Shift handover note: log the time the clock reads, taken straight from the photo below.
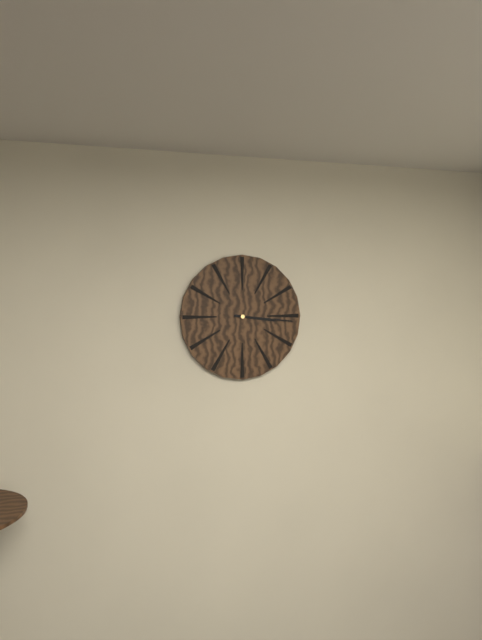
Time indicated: 3:16
